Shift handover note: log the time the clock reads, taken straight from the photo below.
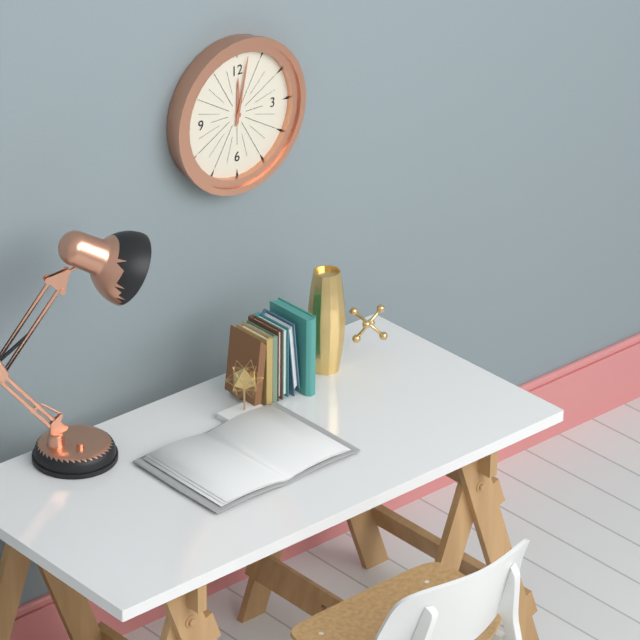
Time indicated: 12:02
